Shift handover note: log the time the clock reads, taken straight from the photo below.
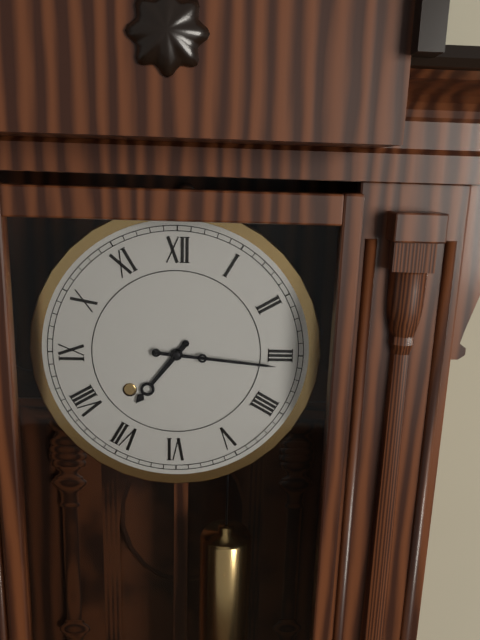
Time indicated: 7:16
